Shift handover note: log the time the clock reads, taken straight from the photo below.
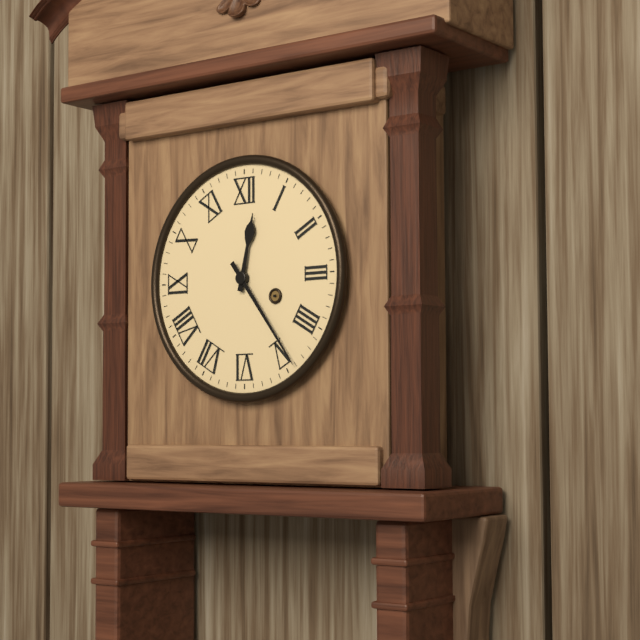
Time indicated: 12:24
